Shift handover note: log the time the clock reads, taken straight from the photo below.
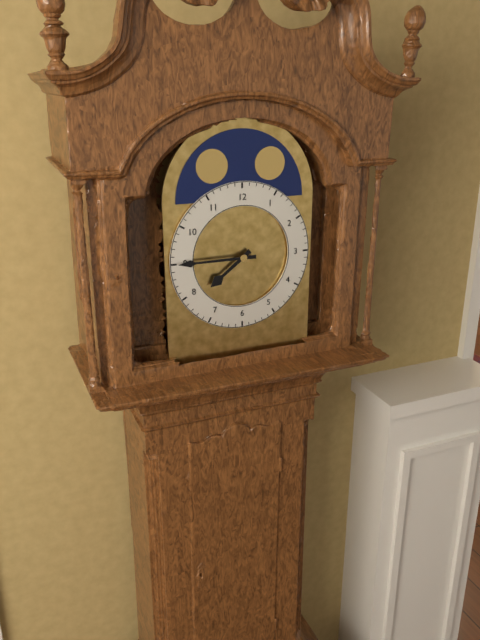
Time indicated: 7:45
